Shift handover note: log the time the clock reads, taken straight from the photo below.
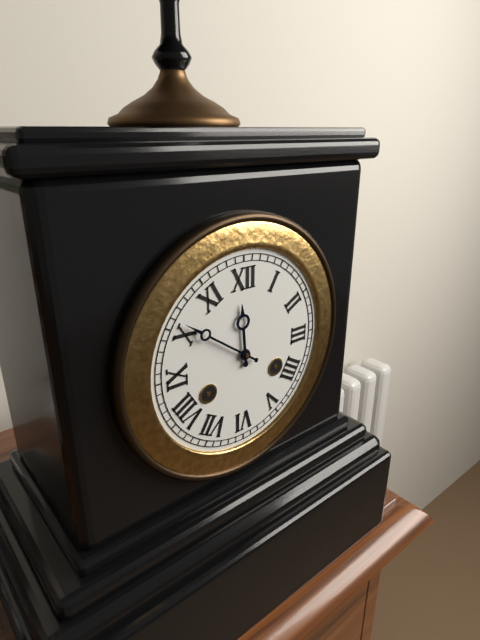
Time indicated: 11:51
